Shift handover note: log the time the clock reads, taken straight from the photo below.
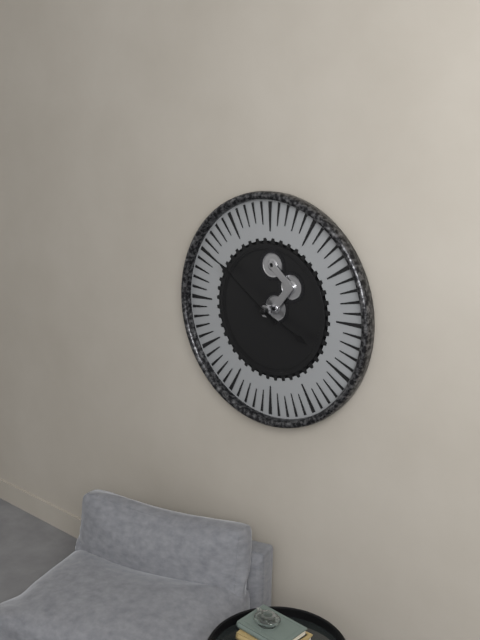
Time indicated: 3:51
